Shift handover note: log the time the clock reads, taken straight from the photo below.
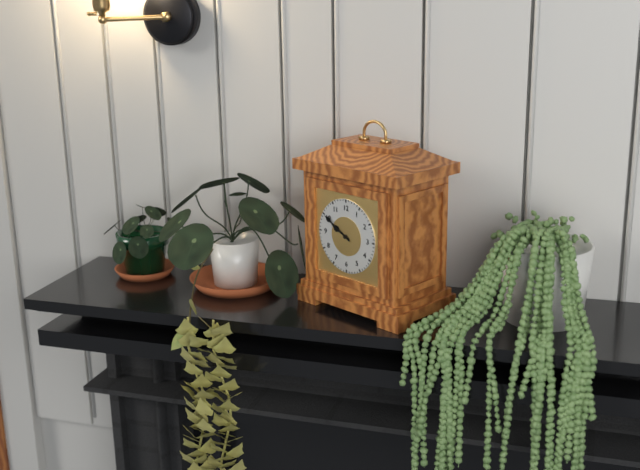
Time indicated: 9:50
